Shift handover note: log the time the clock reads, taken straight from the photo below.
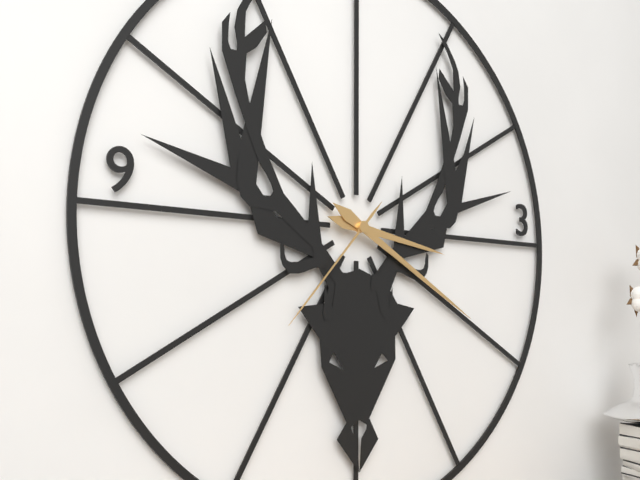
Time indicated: 3:20:37
